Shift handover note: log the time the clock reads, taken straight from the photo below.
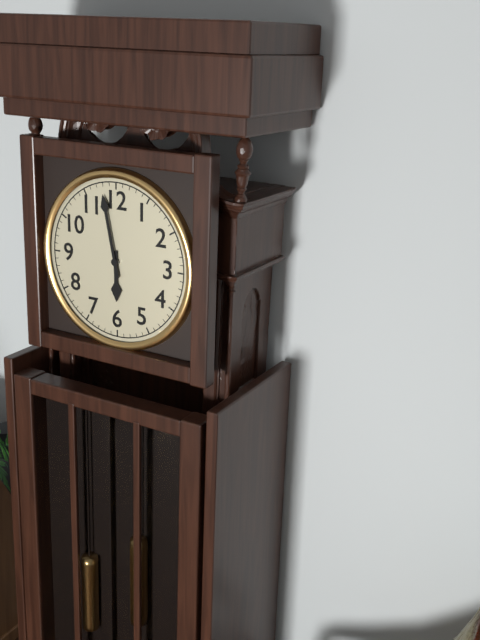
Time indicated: 5:58
